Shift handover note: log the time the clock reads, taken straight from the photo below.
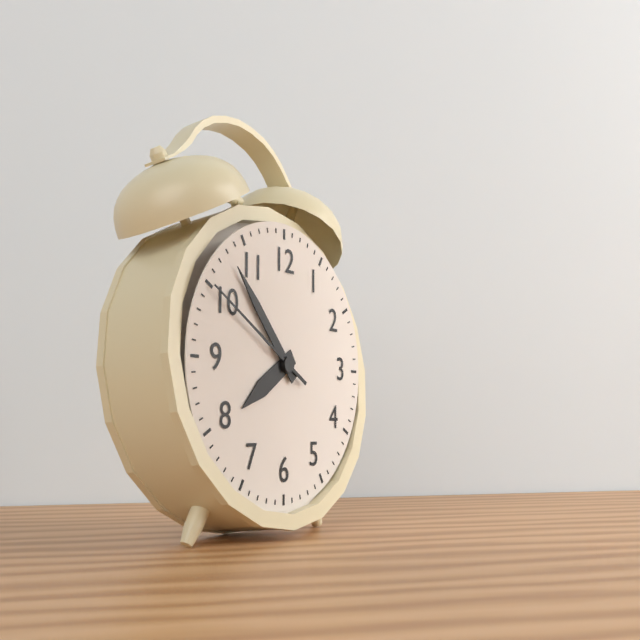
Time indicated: 7:53:50
